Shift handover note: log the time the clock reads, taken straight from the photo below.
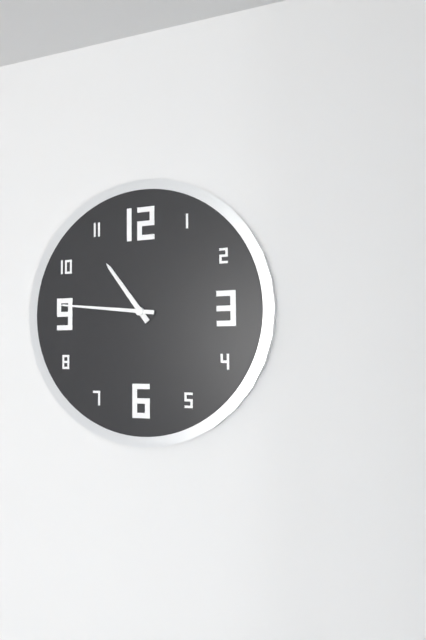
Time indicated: 10:46
